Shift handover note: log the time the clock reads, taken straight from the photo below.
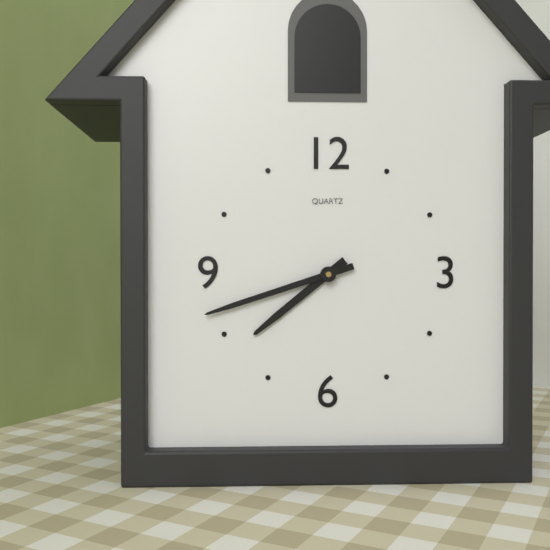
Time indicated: 7:42
